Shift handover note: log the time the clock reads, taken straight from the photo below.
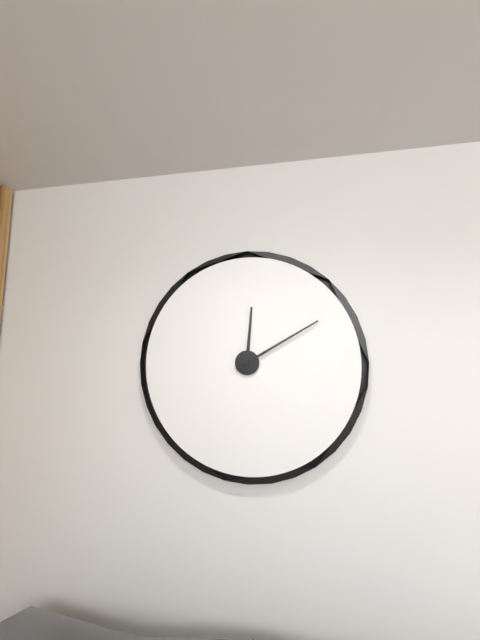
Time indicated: 12:10
